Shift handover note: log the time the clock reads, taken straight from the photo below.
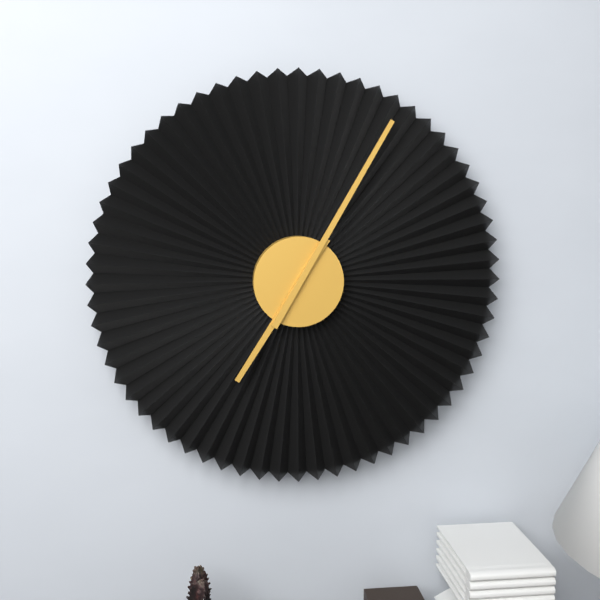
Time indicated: 7:05
